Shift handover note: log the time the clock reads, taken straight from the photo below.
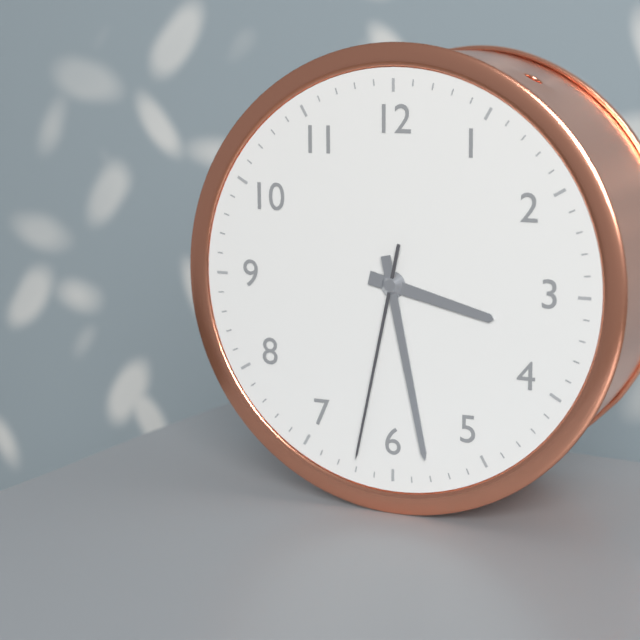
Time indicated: 3:28:32
